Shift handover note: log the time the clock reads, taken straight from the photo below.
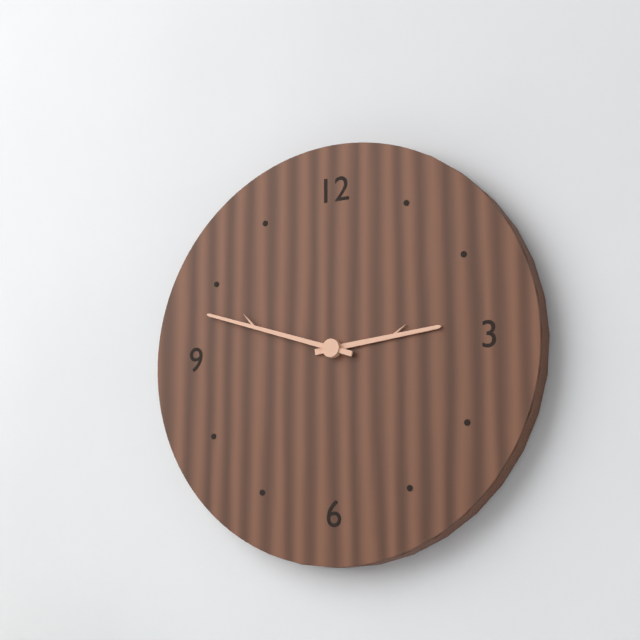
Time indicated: 2:48
